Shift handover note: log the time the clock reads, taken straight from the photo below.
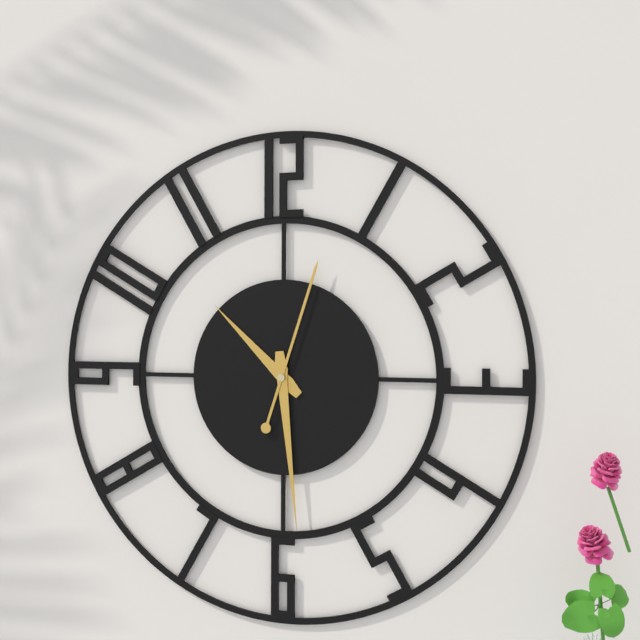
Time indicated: 10:29:03
